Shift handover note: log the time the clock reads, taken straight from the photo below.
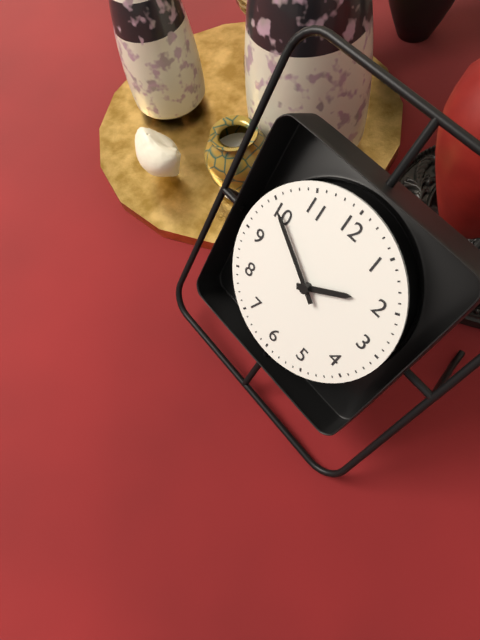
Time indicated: 1:50
